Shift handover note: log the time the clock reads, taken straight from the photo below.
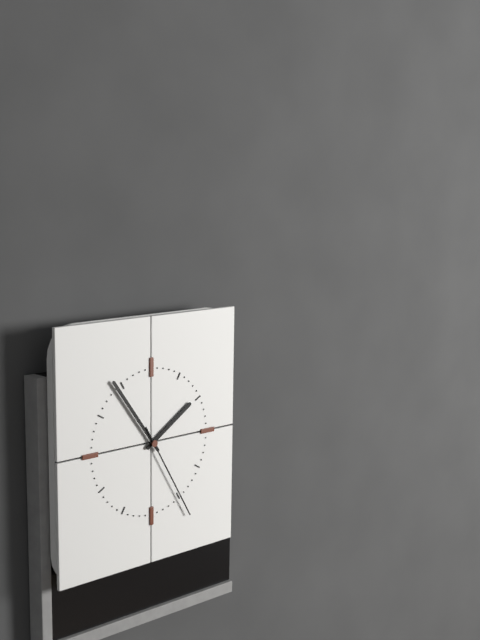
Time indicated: 1:54:25
